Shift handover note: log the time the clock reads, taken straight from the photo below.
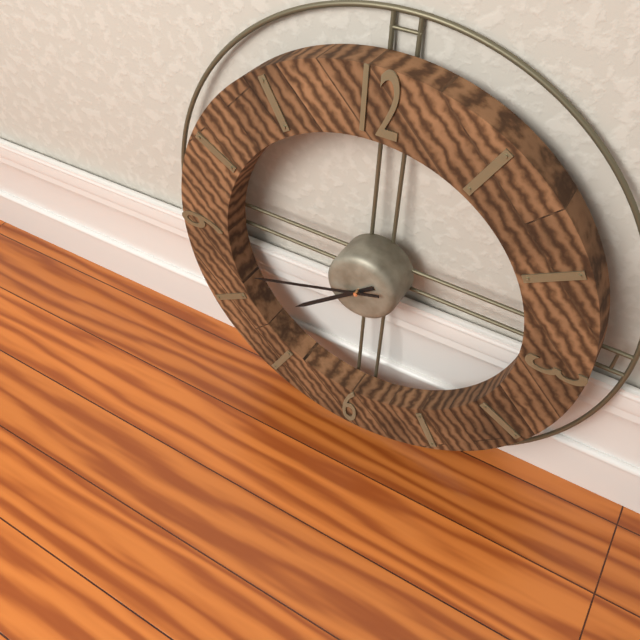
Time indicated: 7:42
